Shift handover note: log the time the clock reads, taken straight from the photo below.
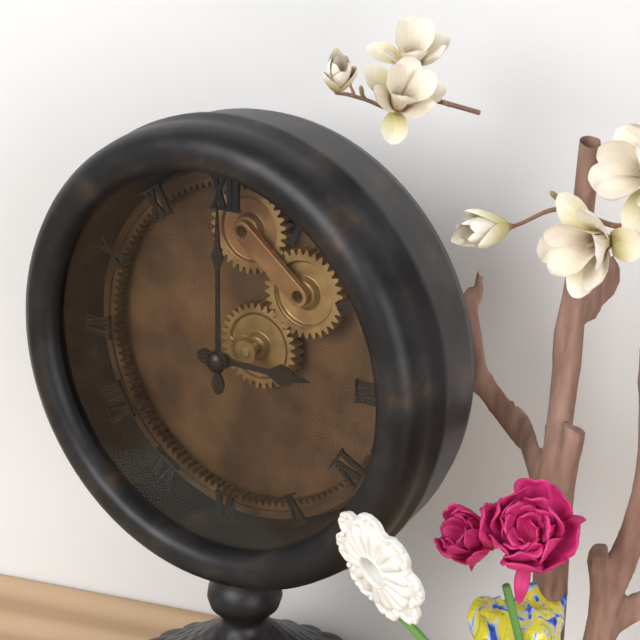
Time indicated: 3:00
